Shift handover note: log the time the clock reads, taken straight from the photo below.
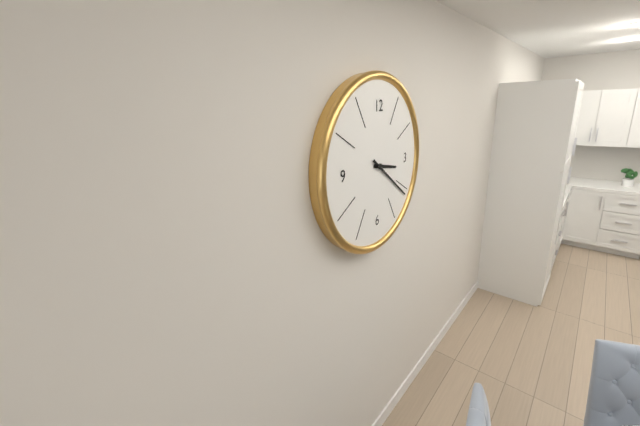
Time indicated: 3:21
